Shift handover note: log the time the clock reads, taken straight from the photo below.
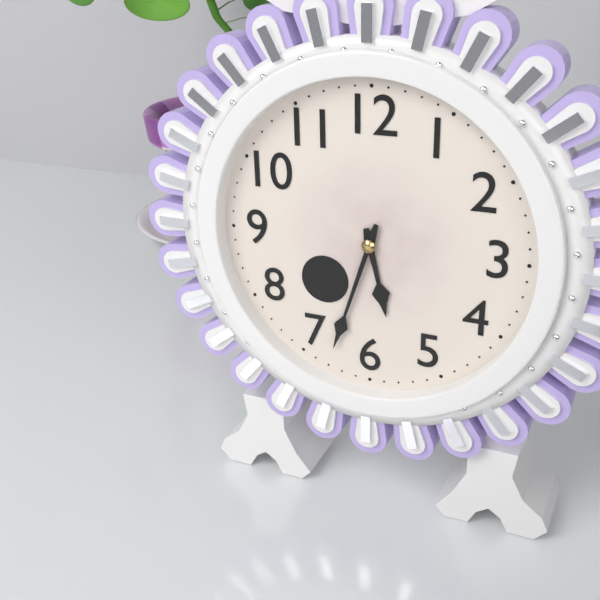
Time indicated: 5:33
